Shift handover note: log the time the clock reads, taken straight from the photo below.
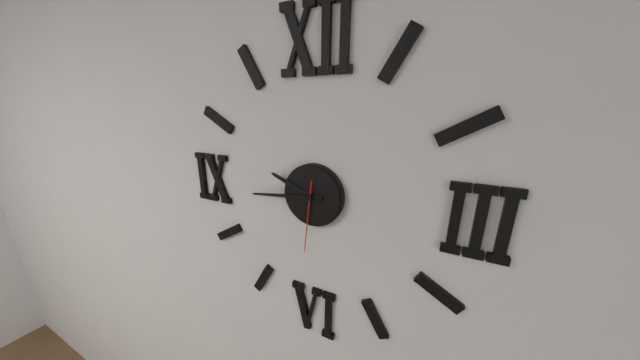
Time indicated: 9:44:31
